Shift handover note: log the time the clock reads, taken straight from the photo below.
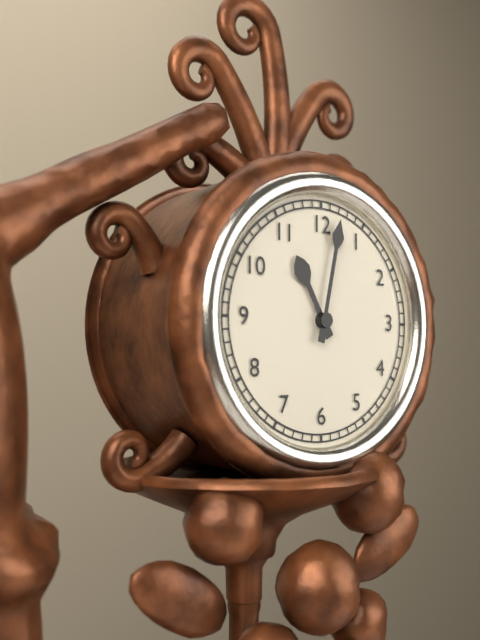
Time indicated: 11:02
